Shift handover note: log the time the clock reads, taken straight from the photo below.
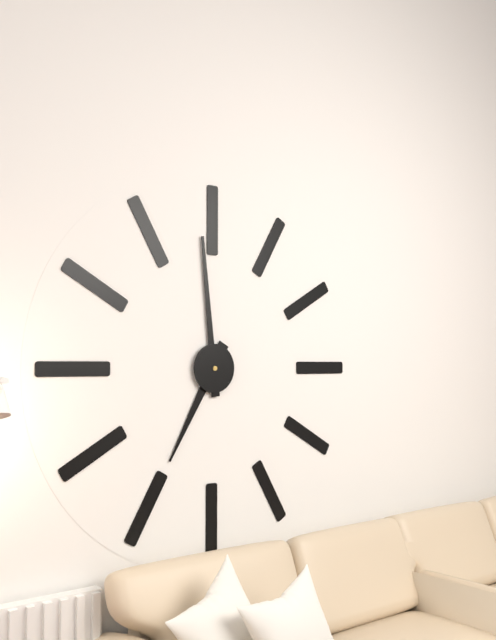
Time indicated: 6:59
